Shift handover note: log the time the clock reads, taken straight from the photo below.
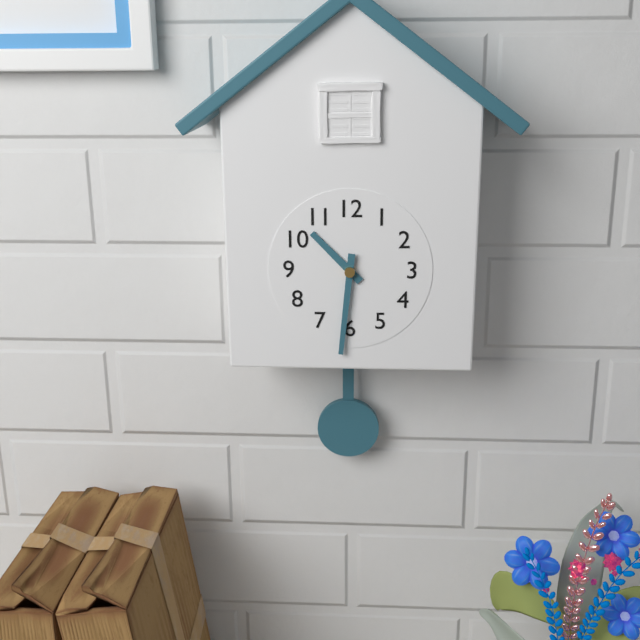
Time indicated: 10:31
